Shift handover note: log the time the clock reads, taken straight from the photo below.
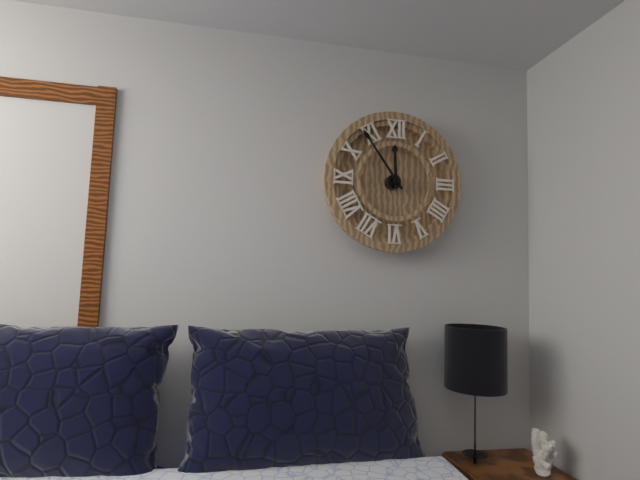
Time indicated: 11:54
